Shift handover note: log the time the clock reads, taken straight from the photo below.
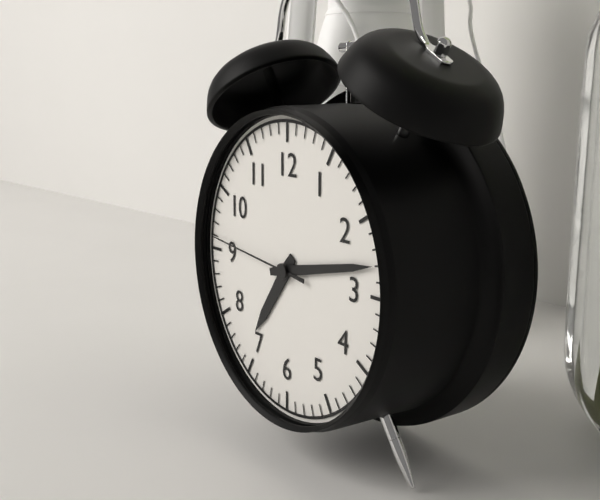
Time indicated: 7:13:46
